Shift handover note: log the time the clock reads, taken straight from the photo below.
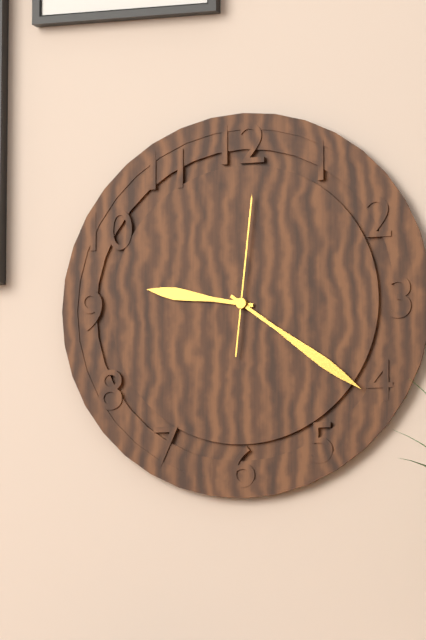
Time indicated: 9:21:01
